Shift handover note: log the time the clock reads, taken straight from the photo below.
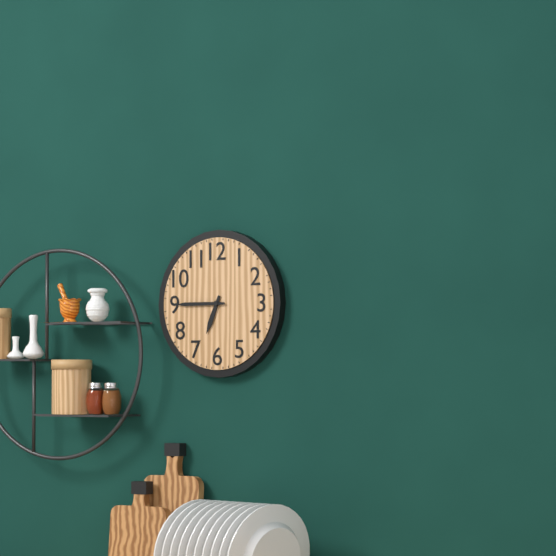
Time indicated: 6:45
